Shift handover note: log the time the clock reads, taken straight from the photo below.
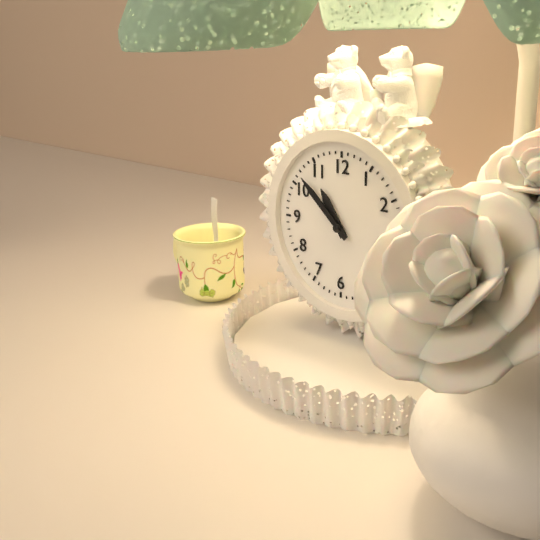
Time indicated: 10:52
